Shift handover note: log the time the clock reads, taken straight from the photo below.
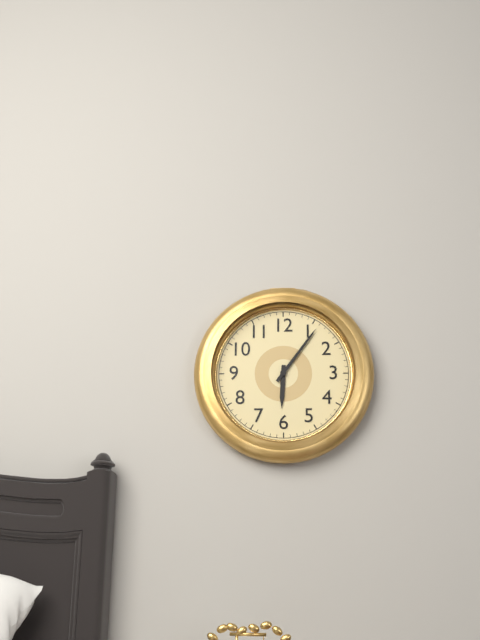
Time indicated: 6:06
